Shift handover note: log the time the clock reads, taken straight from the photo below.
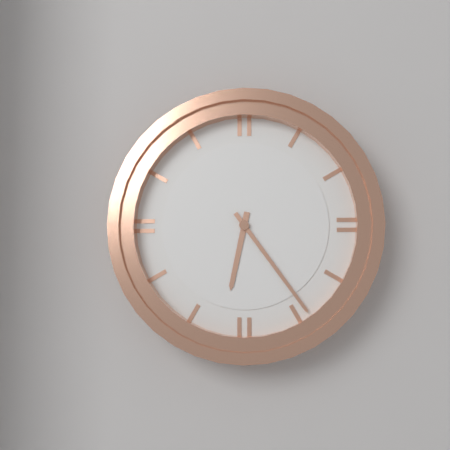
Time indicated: 6:24
